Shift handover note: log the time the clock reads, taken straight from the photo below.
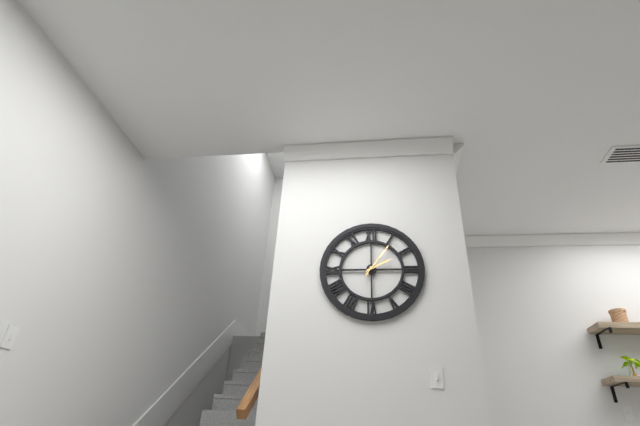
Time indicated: 2:06
